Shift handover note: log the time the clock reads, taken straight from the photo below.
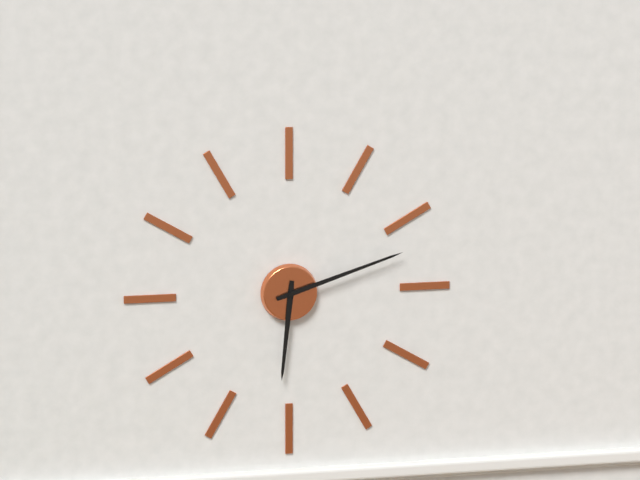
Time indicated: 6:12
